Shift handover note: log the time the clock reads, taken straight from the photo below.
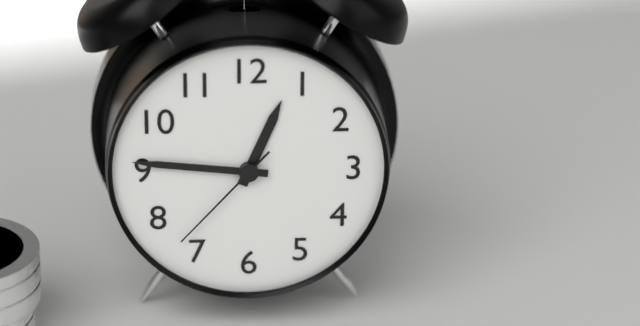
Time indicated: 12:46:37
